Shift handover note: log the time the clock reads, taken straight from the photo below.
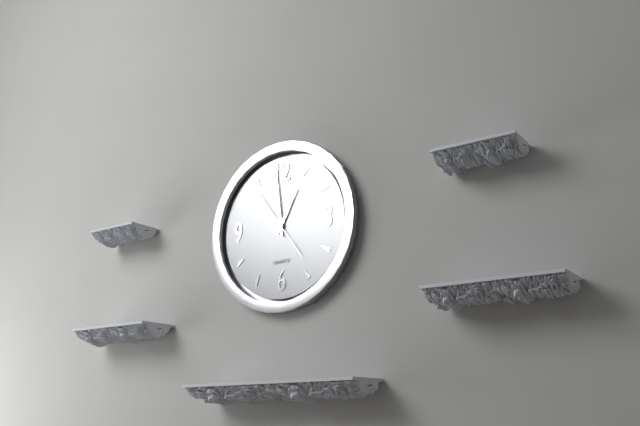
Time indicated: 12:59:54
